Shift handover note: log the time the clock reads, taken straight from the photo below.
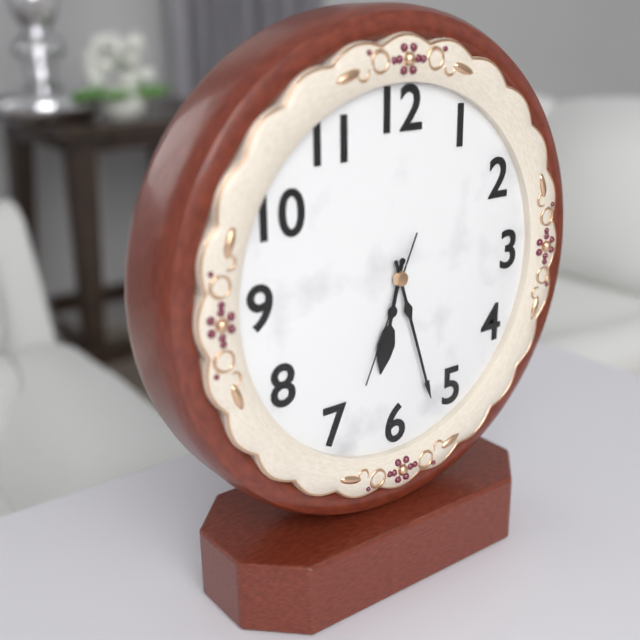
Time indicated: 6:27:34
